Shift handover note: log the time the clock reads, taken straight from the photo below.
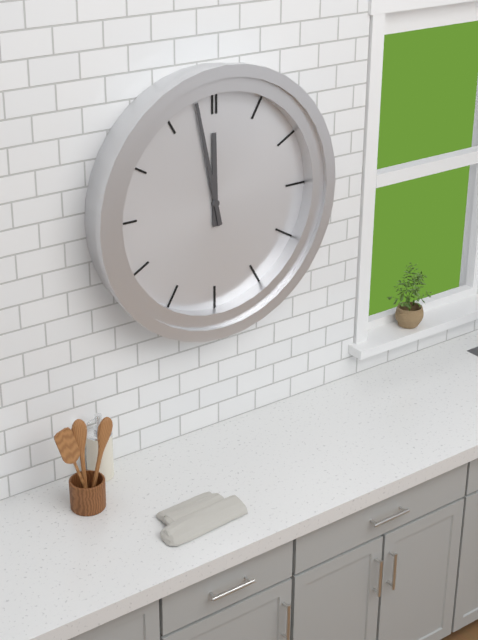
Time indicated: 11:58
